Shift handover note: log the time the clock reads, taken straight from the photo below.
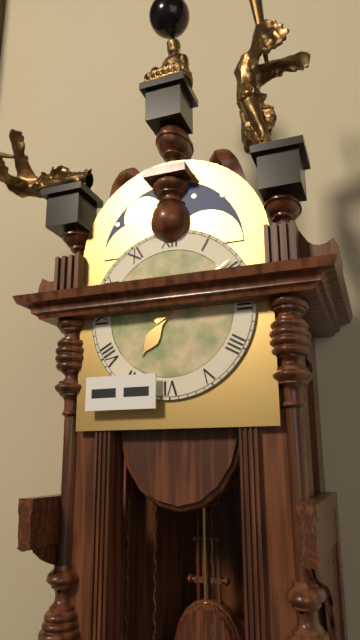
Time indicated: 7:09
